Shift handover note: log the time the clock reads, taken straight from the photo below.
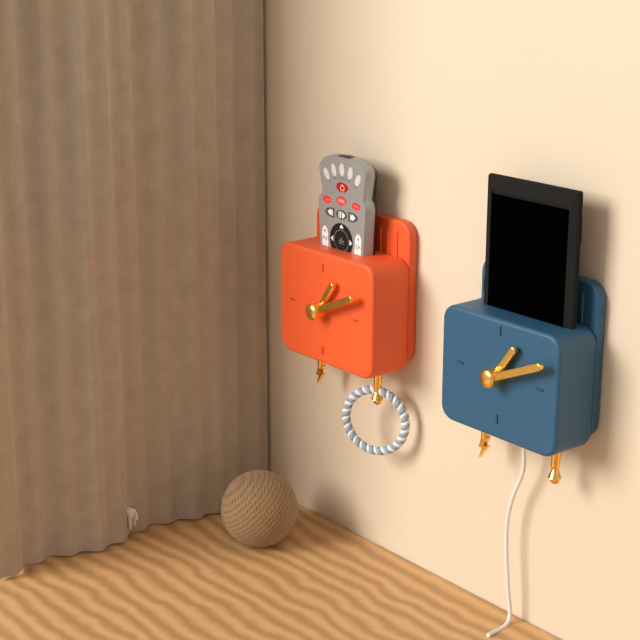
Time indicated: 1:11
